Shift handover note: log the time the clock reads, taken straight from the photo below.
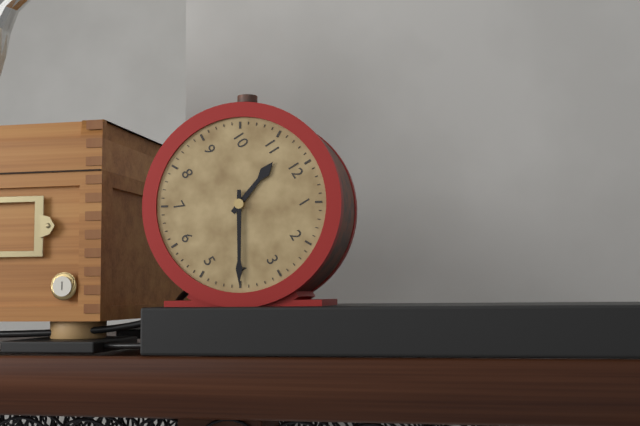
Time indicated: 11:20
